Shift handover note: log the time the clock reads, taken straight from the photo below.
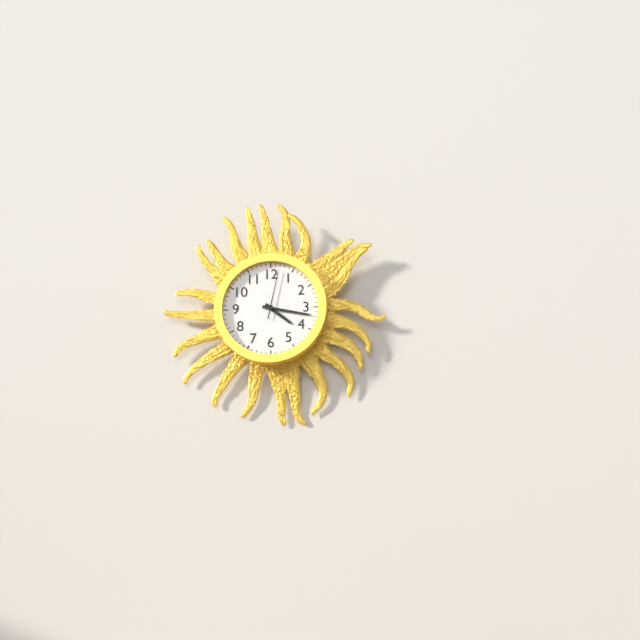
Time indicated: 4:17
